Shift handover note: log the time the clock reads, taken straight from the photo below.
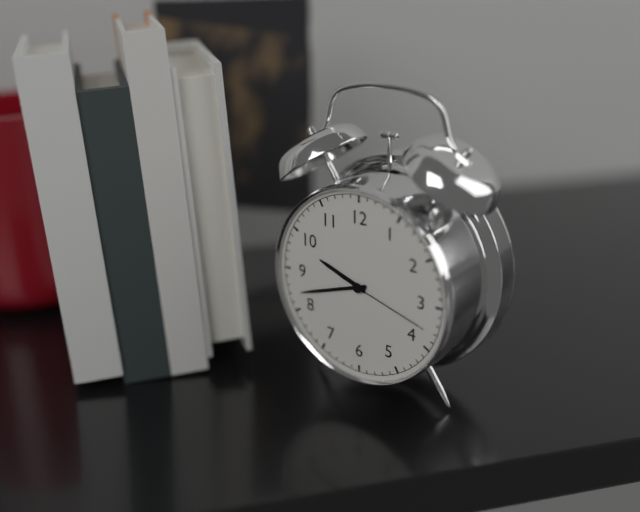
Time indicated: 9:42:18
